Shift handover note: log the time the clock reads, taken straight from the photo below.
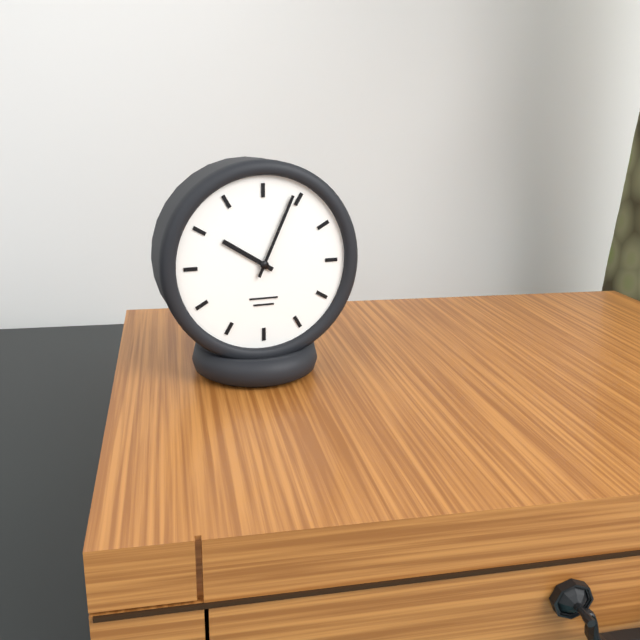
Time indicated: 10:04
